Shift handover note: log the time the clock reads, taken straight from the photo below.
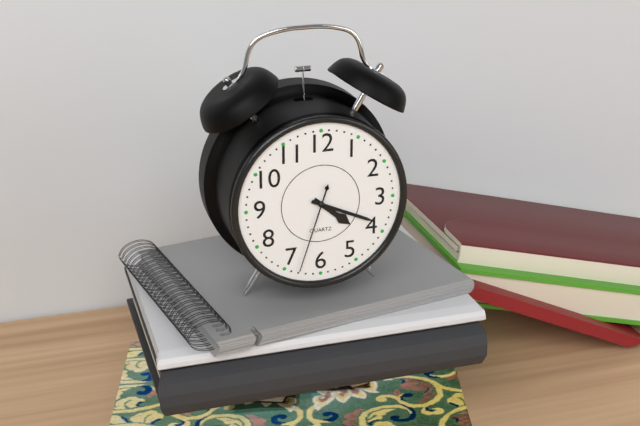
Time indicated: 4:19:33
